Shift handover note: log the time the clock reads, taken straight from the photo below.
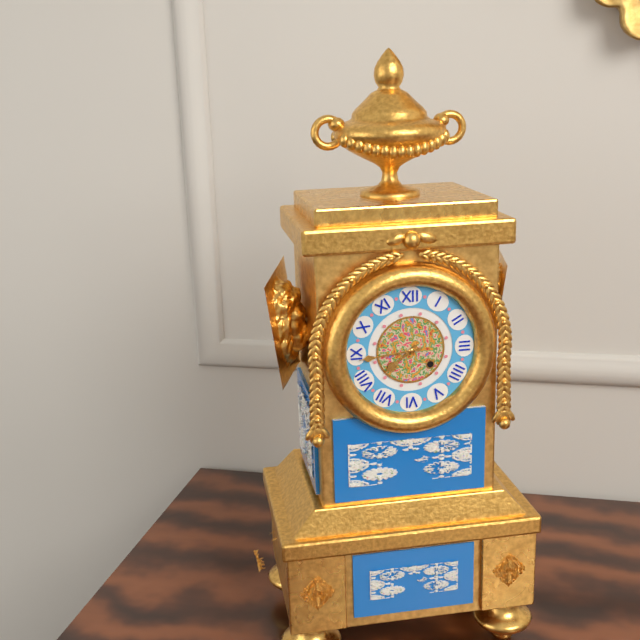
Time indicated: 7:44
